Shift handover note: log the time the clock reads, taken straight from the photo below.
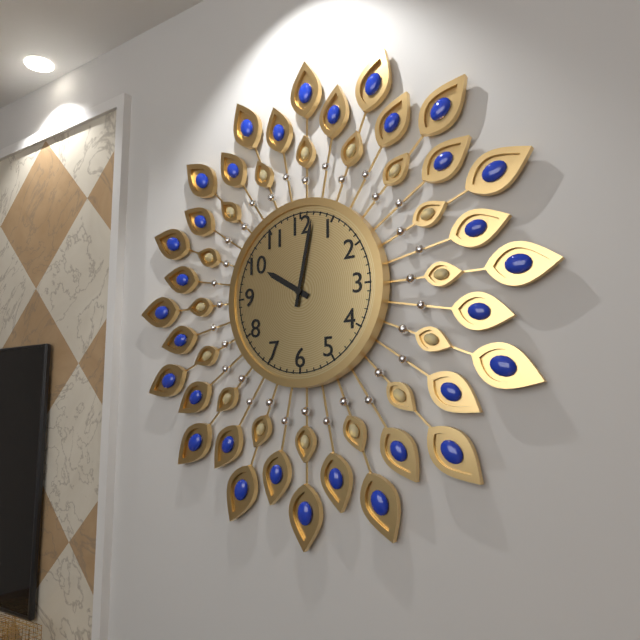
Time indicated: 10:02
